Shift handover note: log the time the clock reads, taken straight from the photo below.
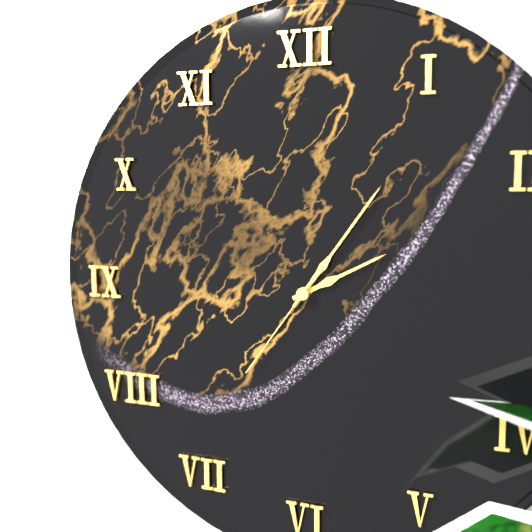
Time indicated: 2:06:36
